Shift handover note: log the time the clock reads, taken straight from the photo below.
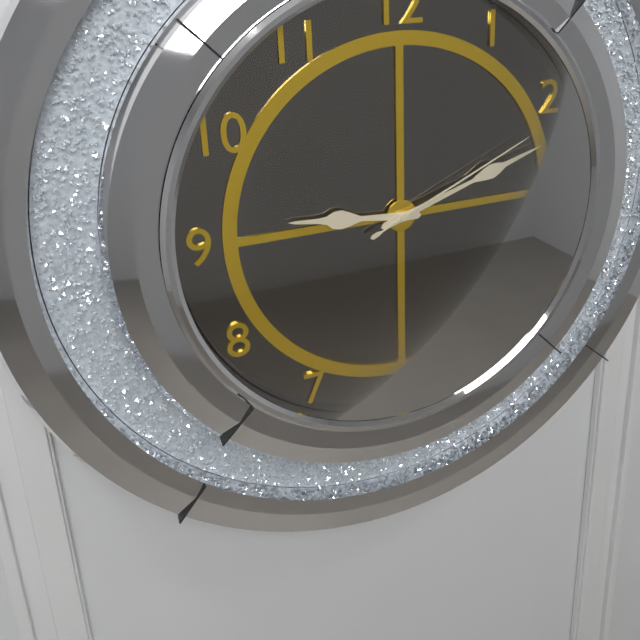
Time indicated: 9:12:11
